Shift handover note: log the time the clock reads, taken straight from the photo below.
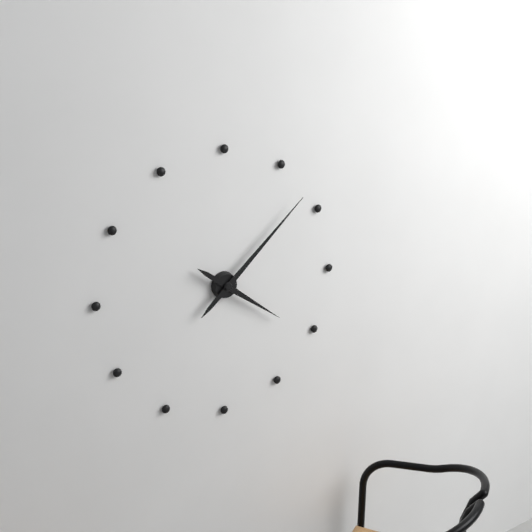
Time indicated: 4:08
